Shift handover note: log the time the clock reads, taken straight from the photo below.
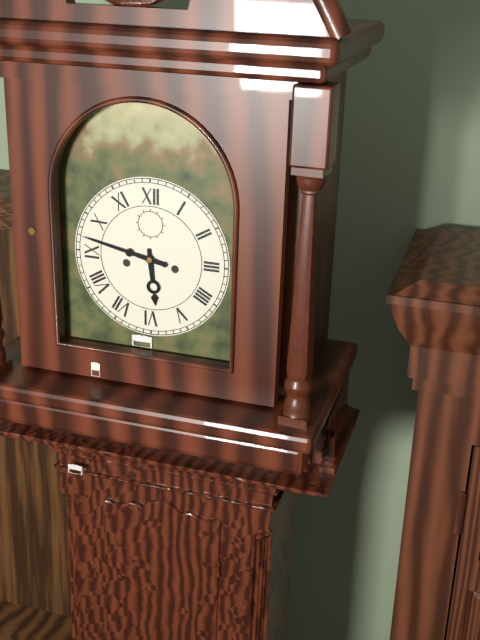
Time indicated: 5:47
